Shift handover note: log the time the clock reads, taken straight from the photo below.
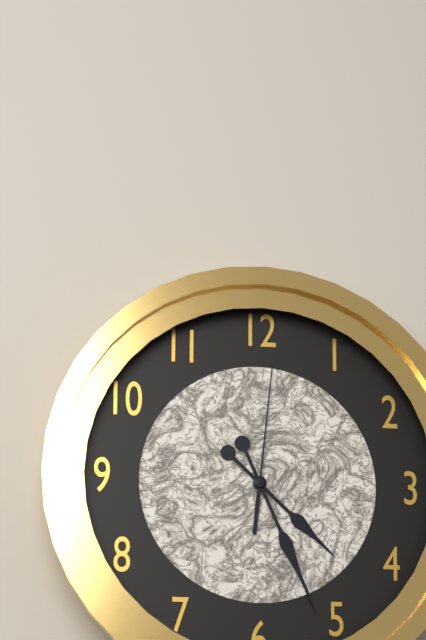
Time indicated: 4:26:01
